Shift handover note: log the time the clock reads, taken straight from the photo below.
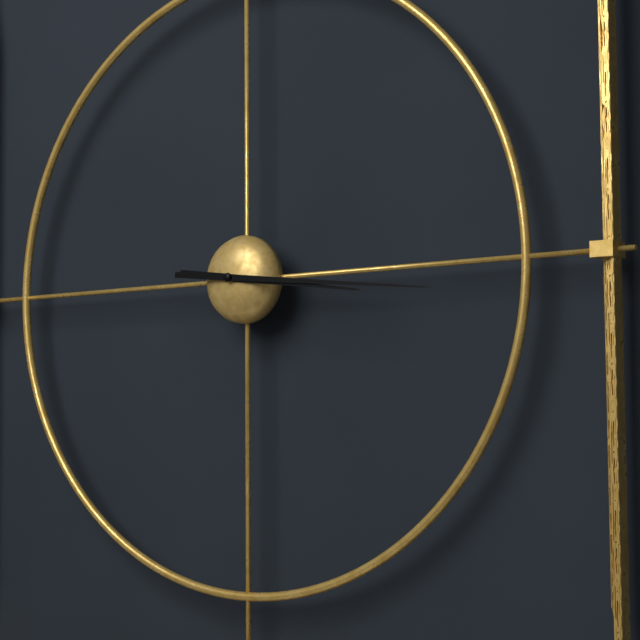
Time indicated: 3:16
